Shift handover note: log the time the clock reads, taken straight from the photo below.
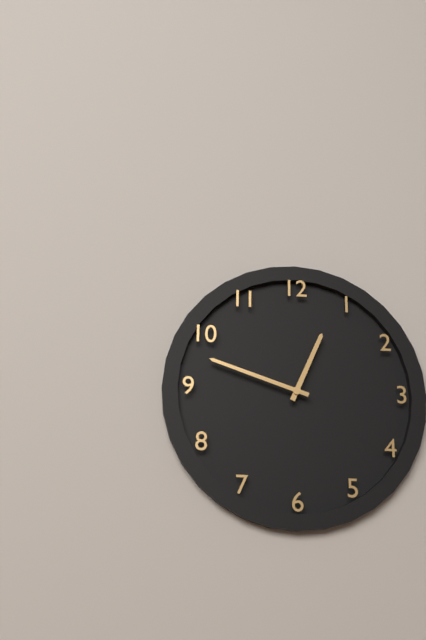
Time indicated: 12:48
